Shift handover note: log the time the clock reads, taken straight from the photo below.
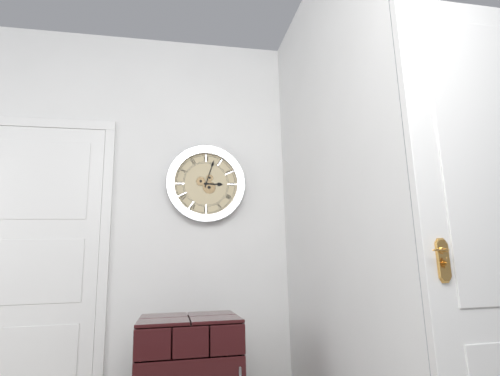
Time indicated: 3:03
